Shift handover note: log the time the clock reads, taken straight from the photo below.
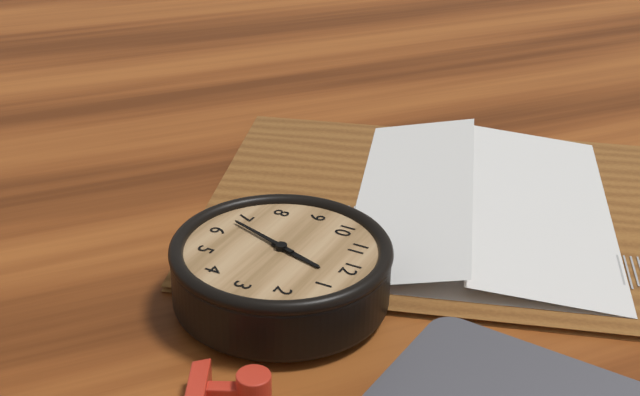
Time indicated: 12:33
